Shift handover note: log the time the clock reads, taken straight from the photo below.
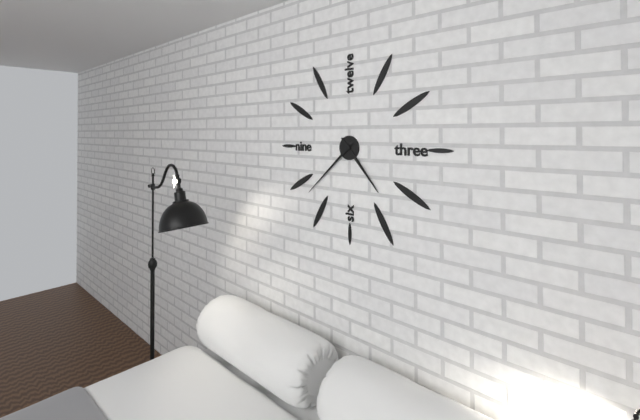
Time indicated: 4:38
